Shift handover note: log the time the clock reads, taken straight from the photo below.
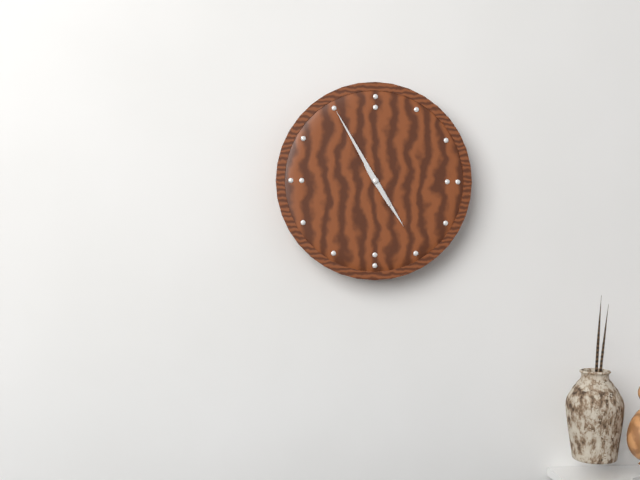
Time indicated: 4:55
